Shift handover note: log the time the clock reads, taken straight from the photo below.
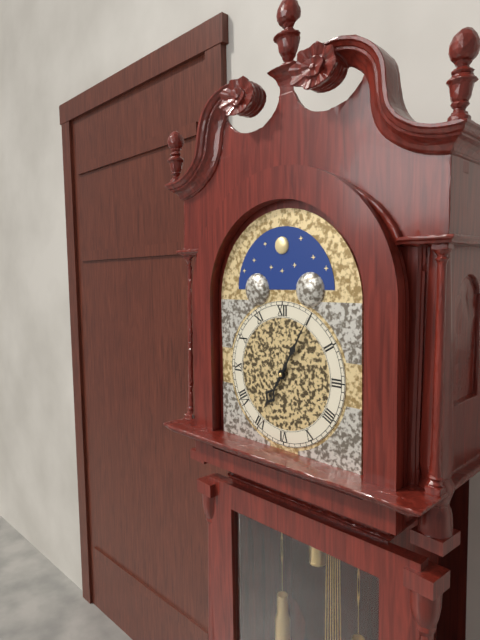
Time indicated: 7:05
